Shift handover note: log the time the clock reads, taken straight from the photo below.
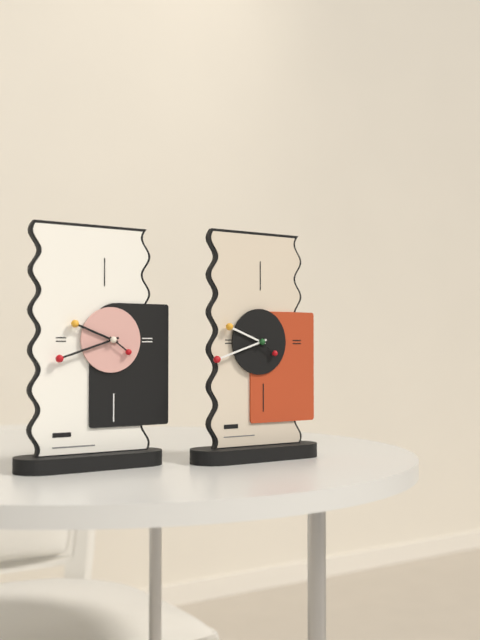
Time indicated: 9:42
